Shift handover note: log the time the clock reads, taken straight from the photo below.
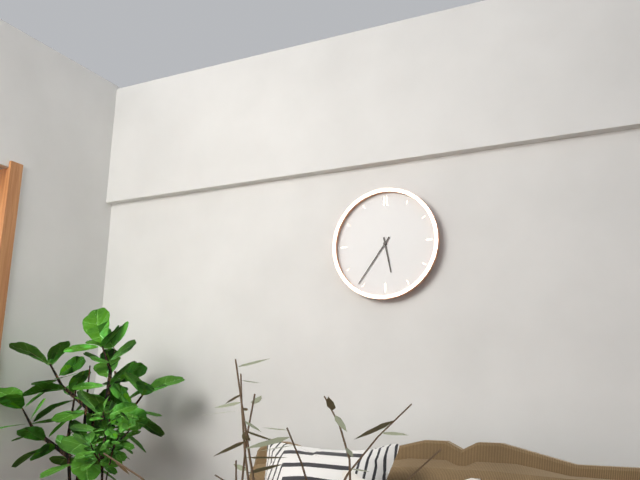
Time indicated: 5:36
